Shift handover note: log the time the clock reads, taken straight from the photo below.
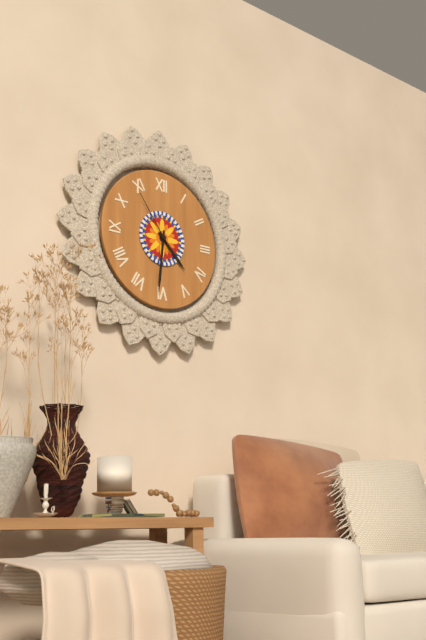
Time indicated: 4:31:54
